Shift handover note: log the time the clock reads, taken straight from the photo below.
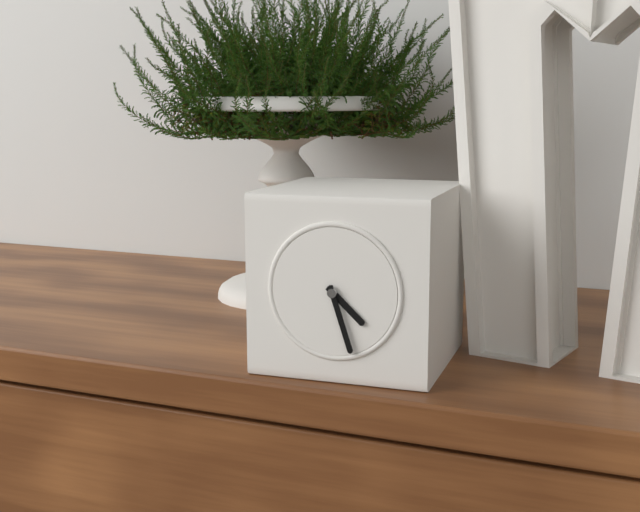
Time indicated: 4:27
